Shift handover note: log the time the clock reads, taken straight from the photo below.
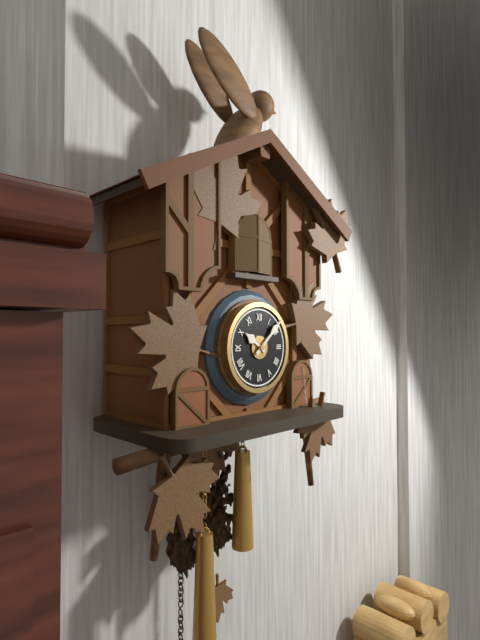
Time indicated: 10:08
